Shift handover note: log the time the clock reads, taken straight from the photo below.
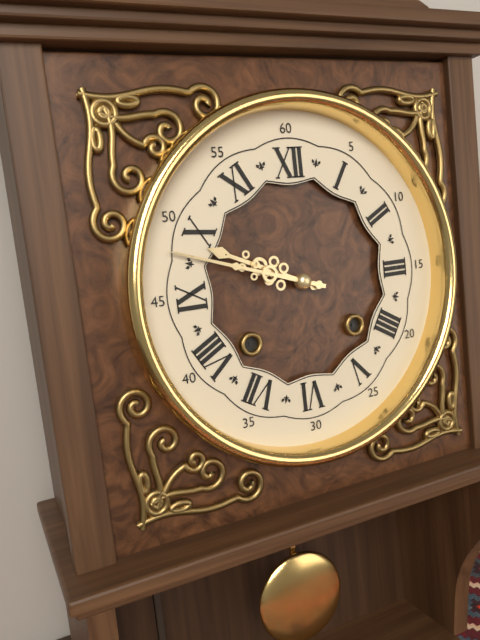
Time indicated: 9:48
